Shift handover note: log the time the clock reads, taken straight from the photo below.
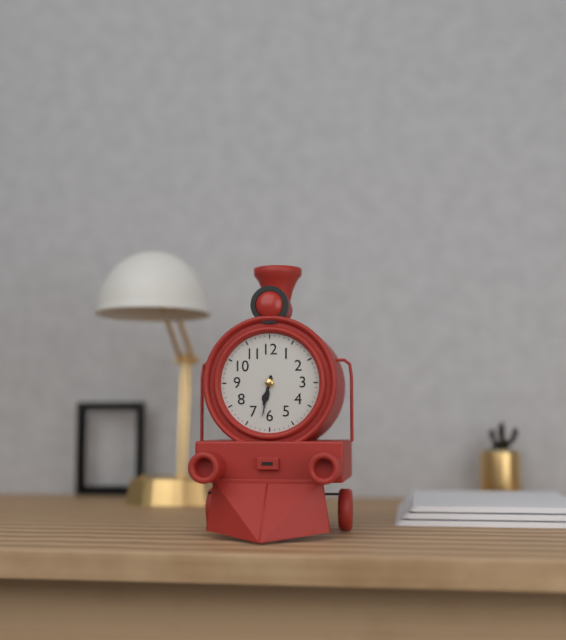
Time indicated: 6:32
